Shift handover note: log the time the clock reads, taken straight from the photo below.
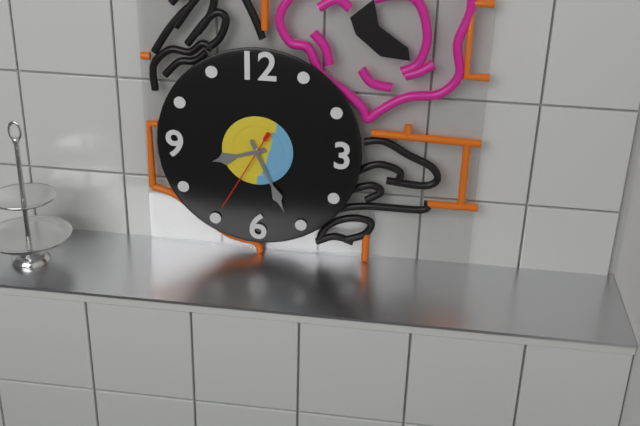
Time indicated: 8:26:35
